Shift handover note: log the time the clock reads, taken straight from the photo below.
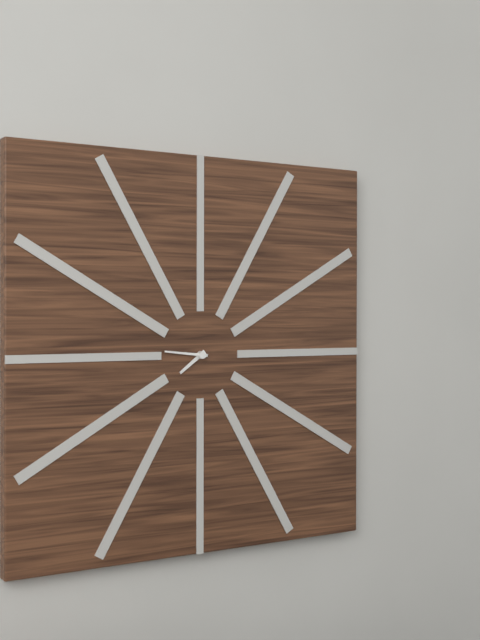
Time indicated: 7:46
